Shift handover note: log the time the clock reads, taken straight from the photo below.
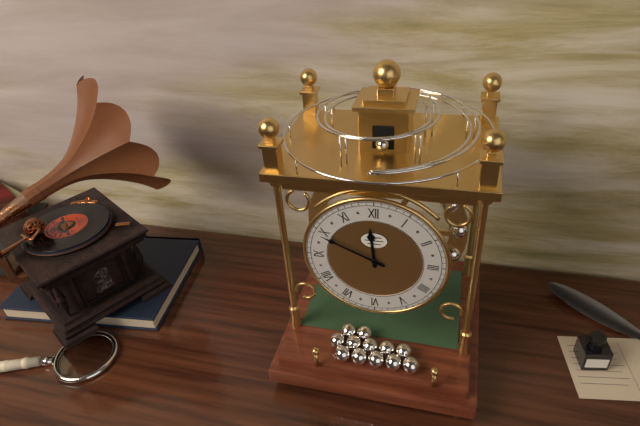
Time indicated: 11:49
